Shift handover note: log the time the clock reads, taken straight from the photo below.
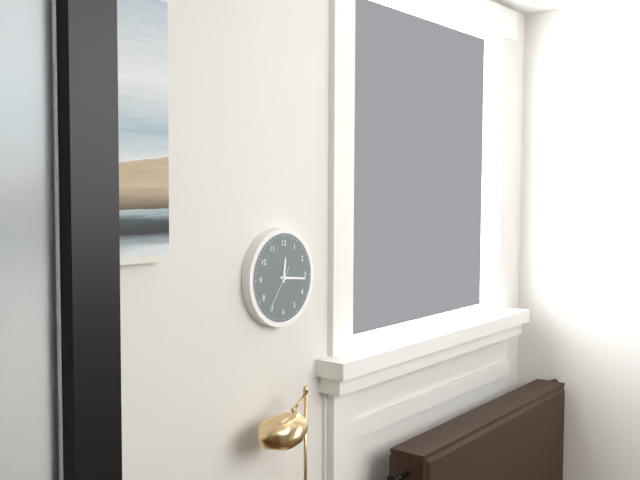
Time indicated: 12:16
